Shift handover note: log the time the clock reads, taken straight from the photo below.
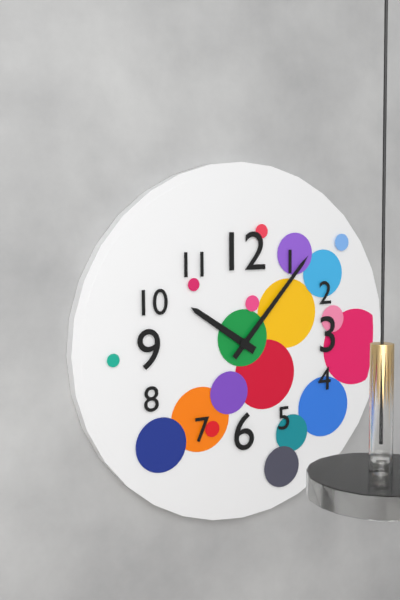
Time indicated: 10:07
